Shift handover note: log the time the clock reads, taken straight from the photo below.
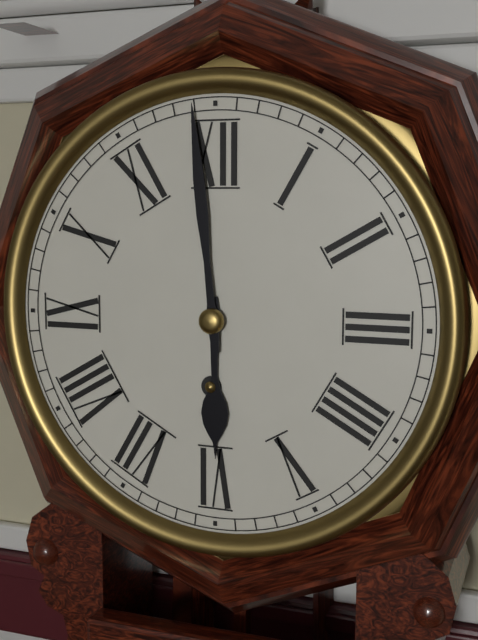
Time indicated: 5:59
